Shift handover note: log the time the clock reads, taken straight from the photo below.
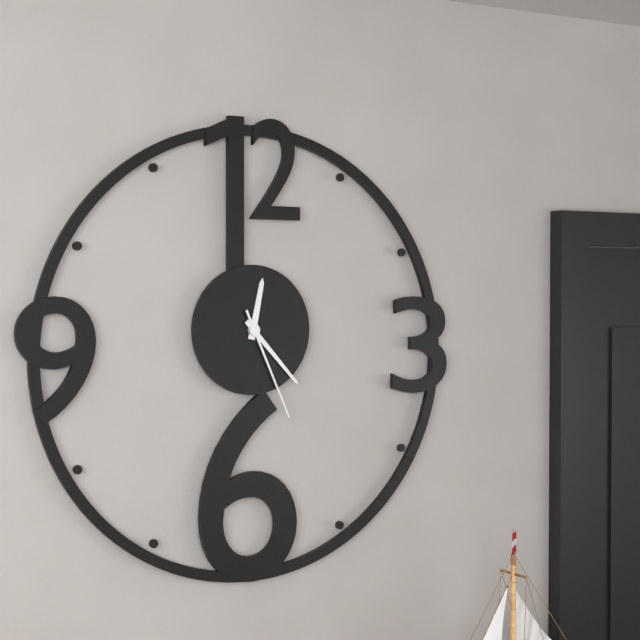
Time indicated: 12:23:26
